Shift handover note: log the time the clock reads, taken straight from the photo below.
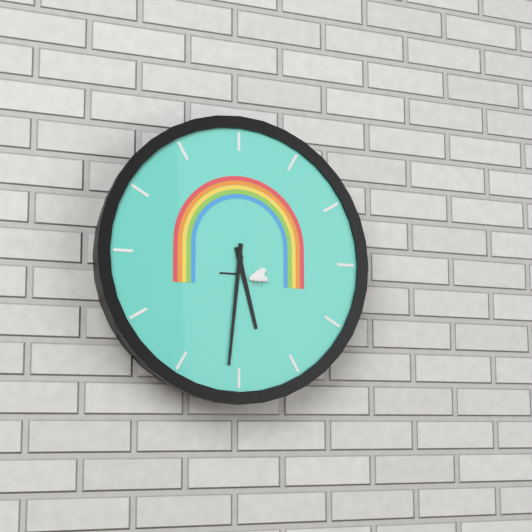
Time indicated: 5:31
